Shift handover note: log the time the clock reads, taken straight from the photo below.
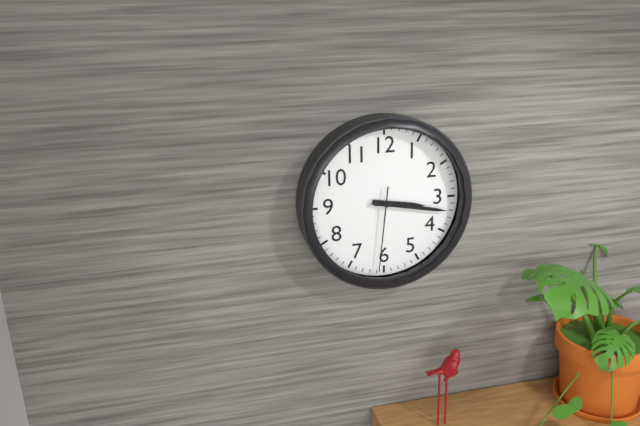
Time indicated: 3:17:31
